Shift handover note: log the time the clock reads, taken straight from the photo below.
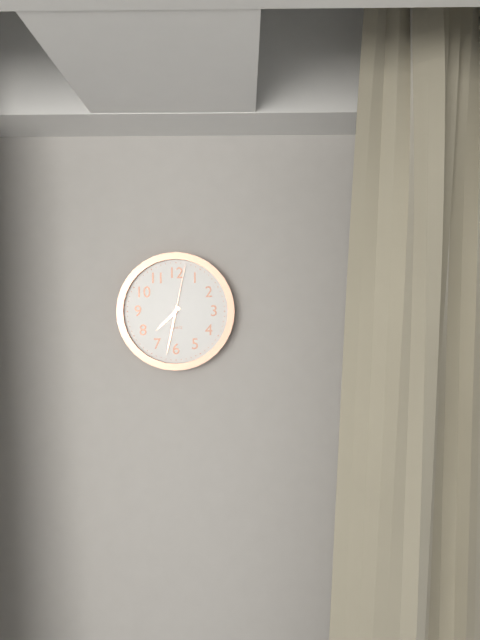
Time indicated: 7:32:02
